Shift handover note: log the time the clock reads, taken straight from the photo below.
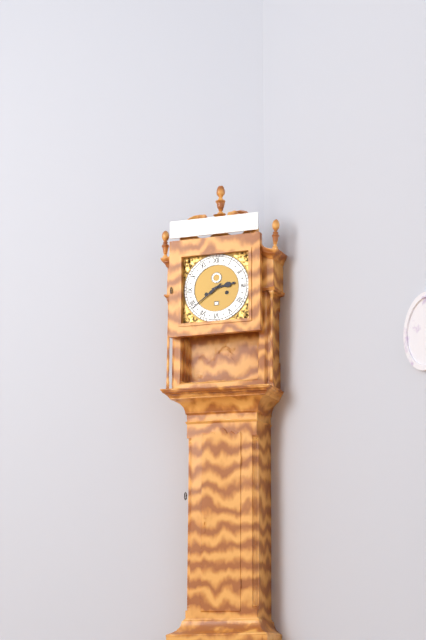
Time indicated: 2:39
